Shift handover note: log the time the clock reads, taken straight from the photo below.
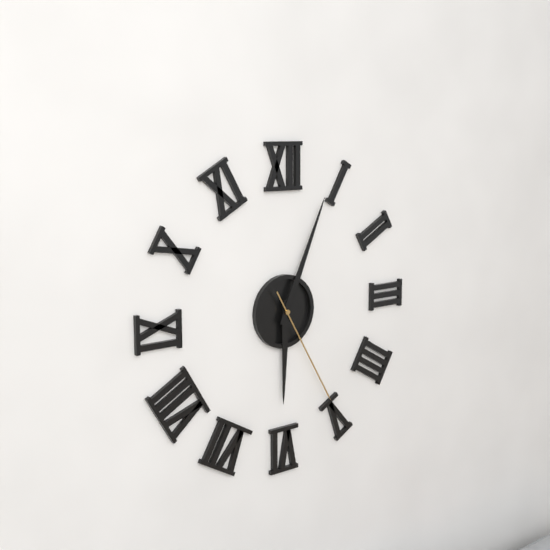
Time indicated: 6:04:25
